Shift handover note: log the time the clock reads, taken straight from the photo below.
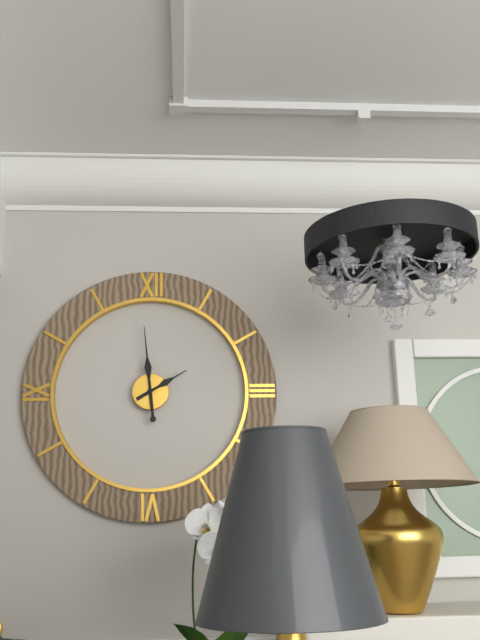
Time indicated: 1:59
